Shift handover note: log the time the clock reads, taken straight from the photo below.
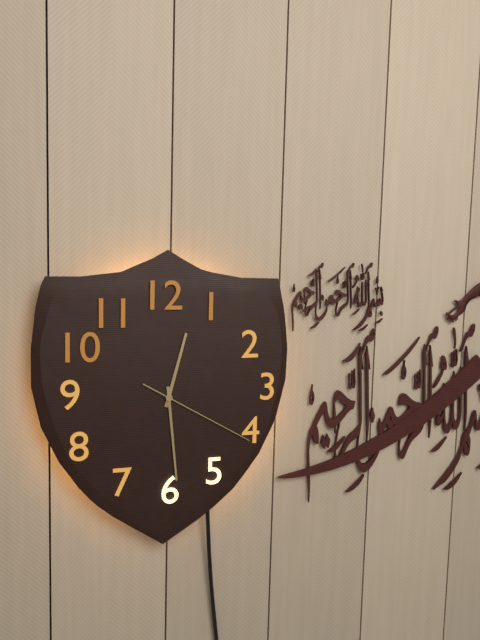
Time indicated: 12:29:20
